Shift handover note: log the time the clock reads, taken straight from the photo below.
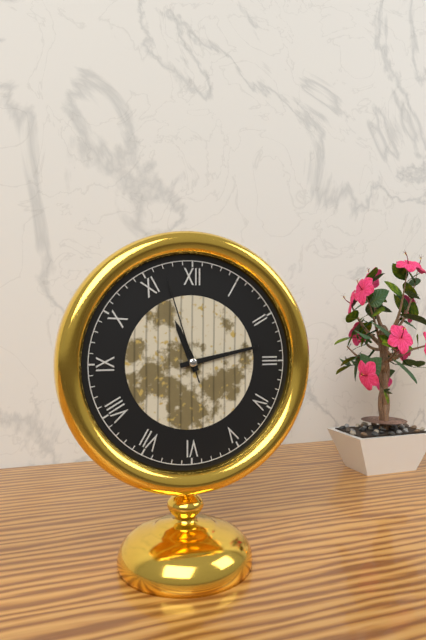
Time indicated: 11:13:57
